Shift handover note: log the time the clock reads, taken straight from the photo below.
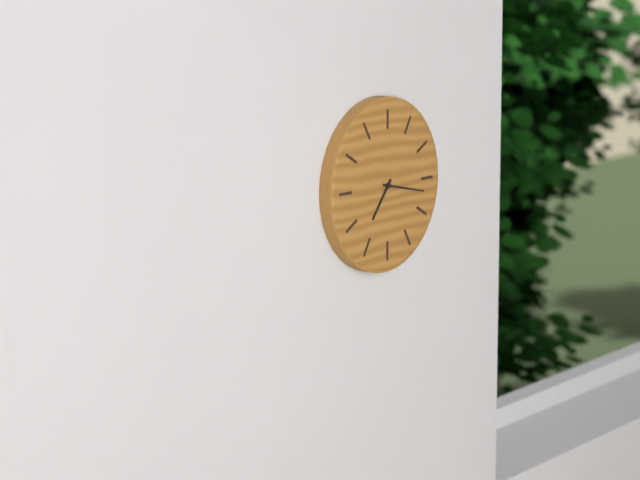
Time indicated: 7:17
